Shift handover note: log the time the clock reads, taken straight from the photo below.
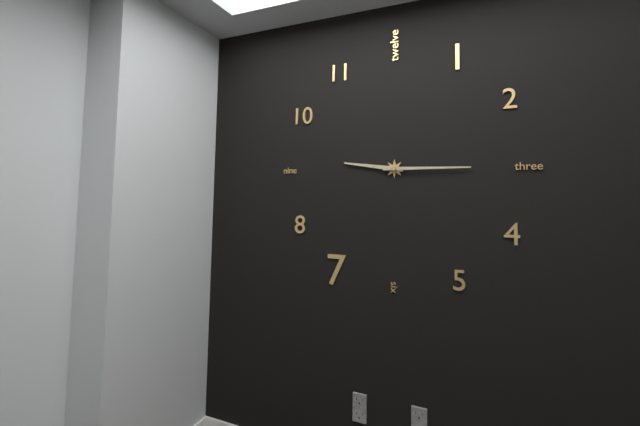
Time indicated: 9:15
